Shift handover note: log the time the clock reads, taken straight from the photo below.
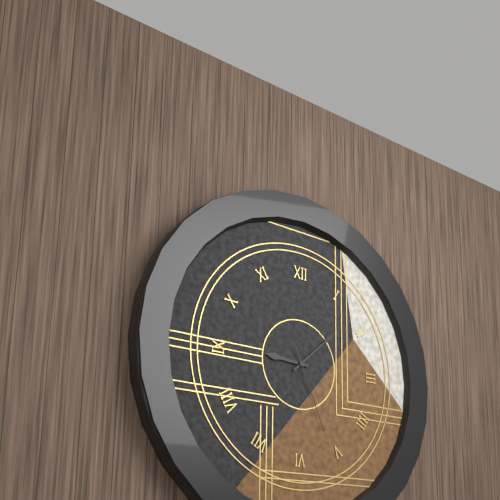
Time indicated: 9:08:26
